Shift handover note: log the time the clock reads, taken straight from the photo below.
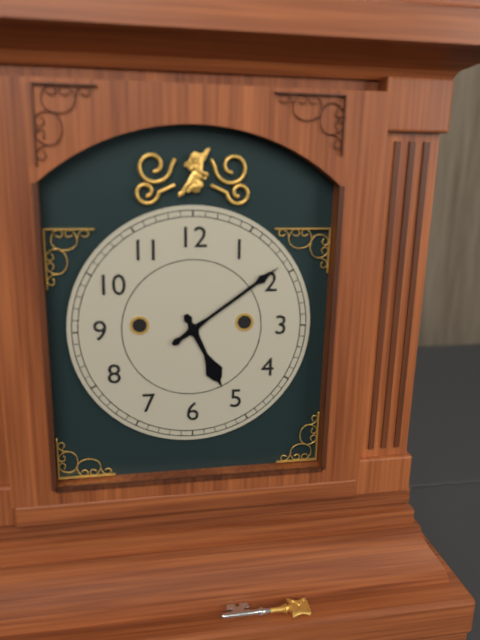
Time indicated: 5:09
